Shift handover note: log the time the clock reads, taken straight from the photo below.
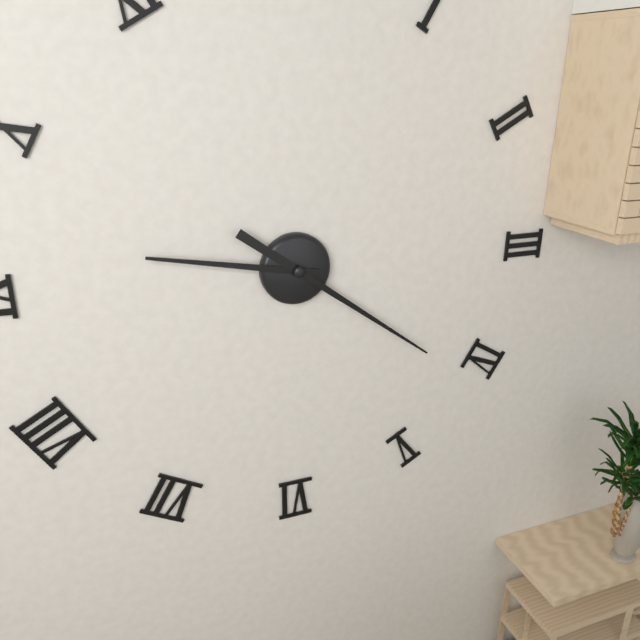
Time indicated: 9:21
